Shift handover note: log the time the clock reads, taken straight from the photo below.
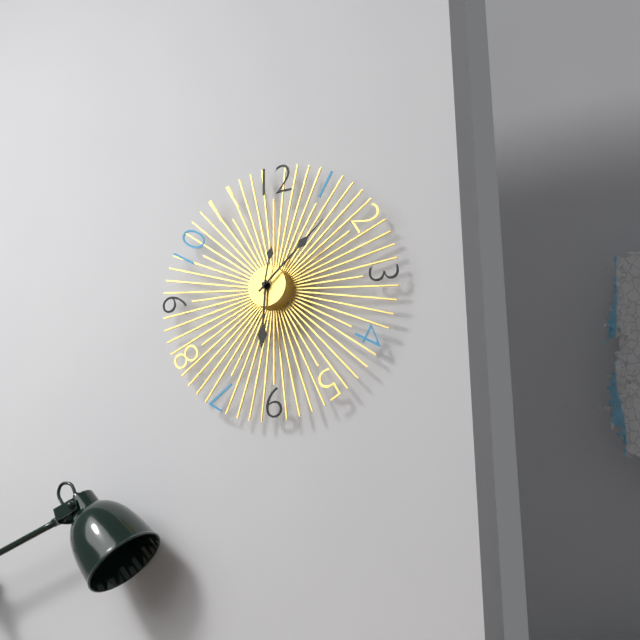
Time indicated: 6:08:02
